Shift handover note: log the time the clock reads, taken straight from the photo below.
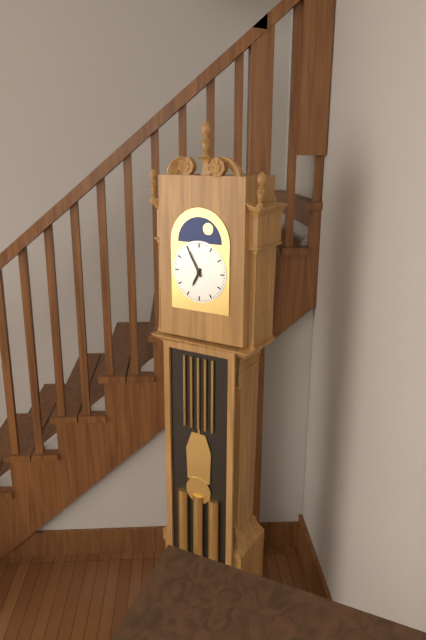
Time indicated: 6:55
